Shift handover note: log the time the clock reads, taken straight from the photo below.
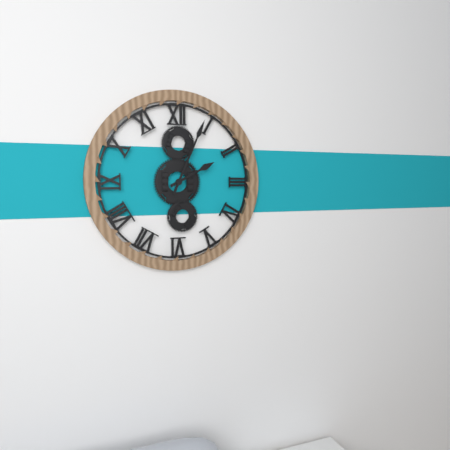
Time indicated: 2:04
